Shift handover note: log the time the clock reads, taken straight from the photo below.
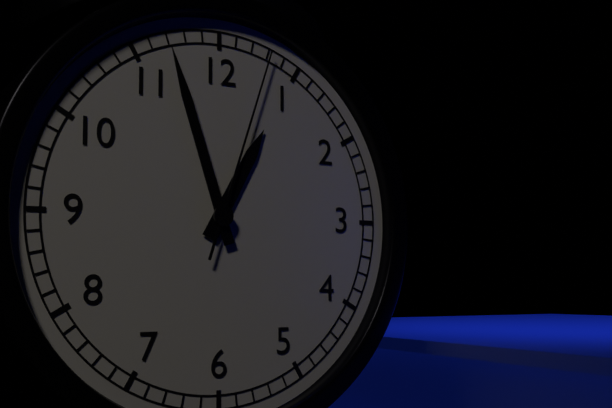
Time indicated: 12:57:03
